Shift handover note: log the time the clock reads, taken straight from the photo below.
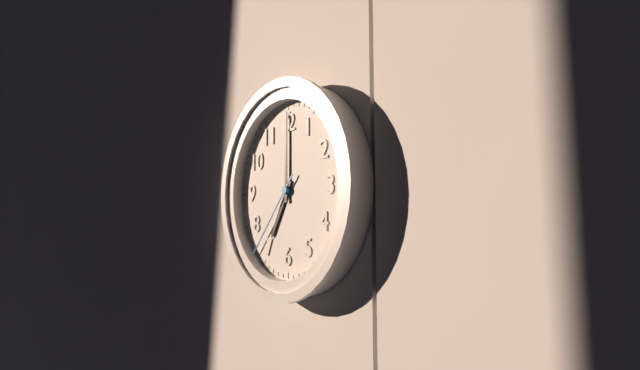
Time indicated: 7:00:37
